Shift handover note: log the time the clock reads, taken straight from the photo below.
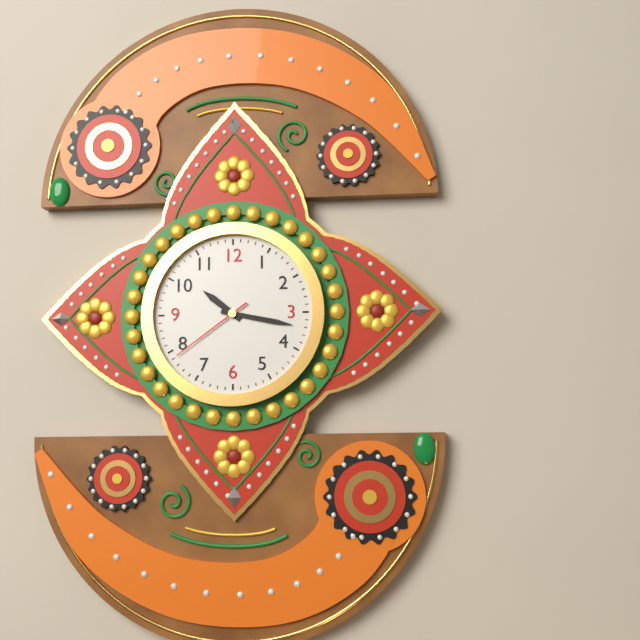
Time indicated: 10:17:39
